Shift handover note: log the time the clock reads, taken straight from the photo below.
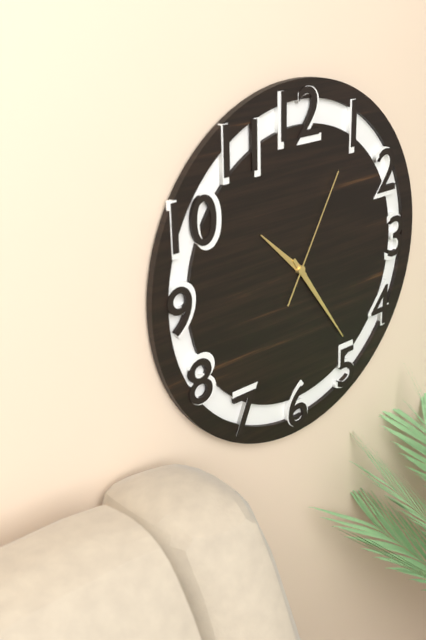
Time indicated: 10:24:05
